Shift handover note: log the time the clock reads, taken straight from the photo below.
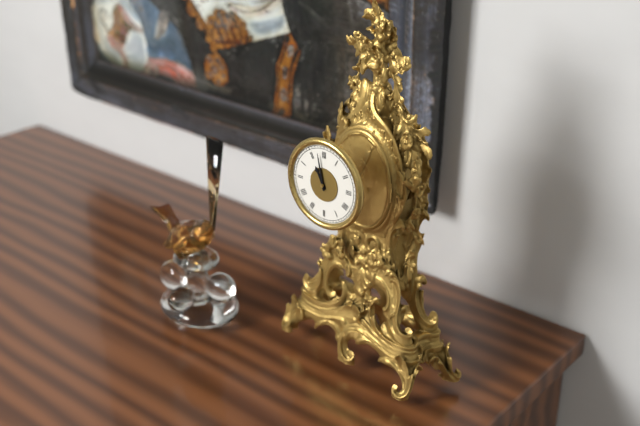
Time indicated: 10:58
